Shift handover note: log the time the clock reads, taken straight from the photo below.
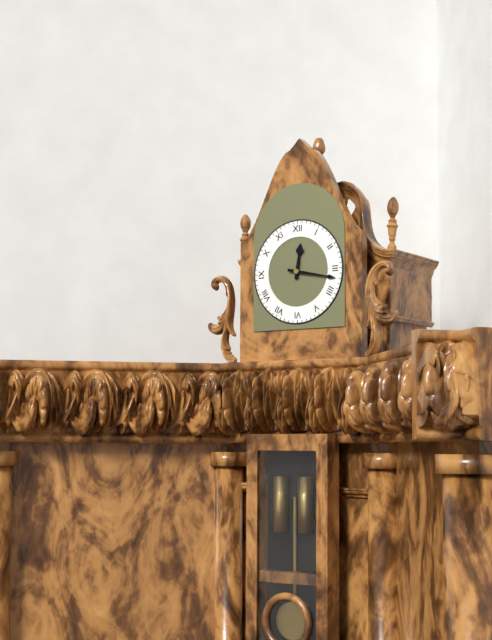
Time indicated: 12:17
